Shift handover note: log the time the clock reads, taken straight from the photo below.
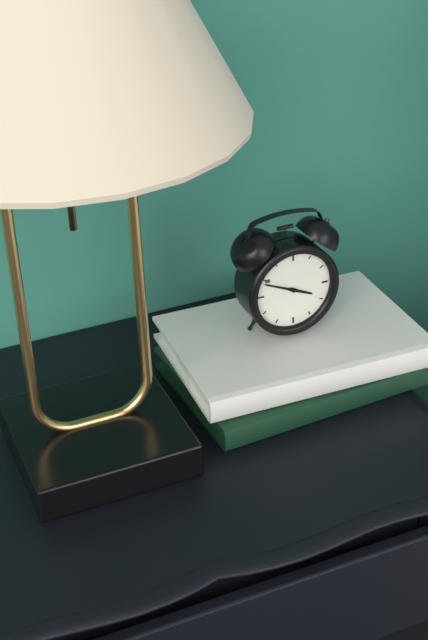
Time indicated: 3:49
